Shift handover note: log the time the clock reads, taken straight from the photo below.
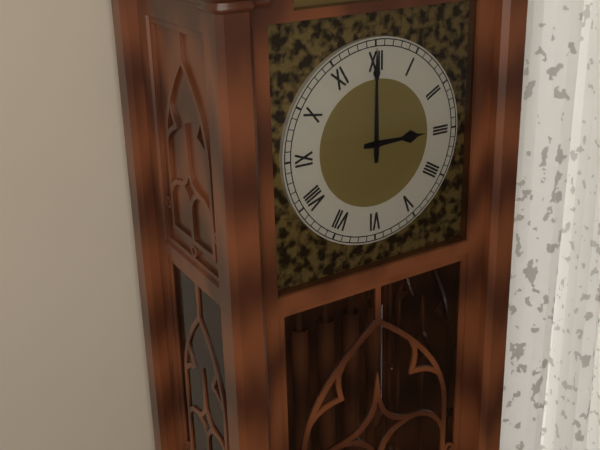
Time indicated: 3:00
